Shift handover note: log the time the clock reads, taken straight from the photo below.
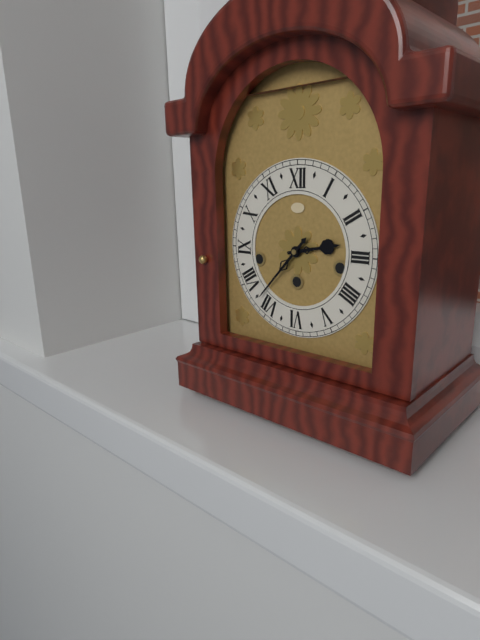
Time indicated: 2:37
